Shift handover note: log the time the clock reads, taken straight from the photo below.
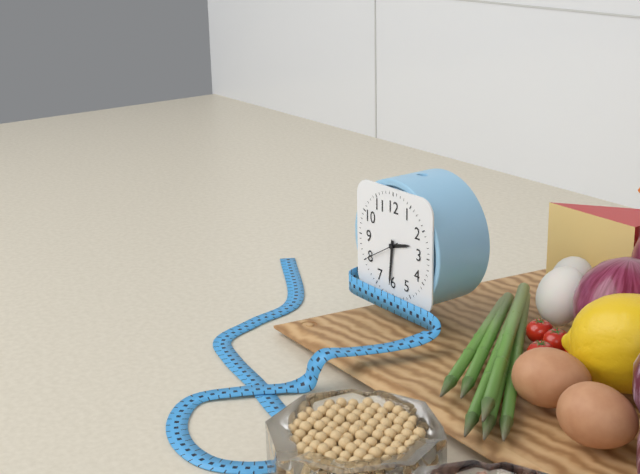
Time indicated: 2:31
